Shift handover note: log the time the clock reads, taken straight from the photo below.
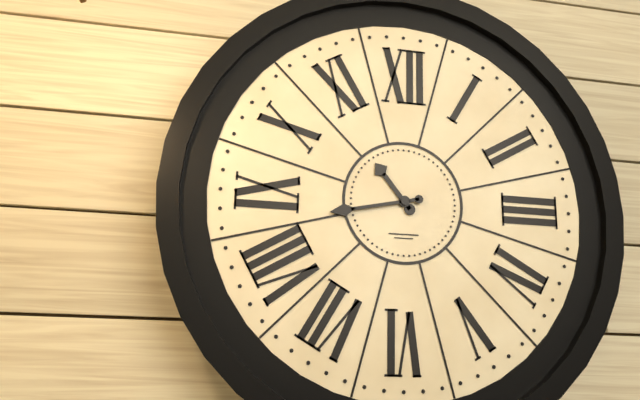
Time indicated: 10:43
